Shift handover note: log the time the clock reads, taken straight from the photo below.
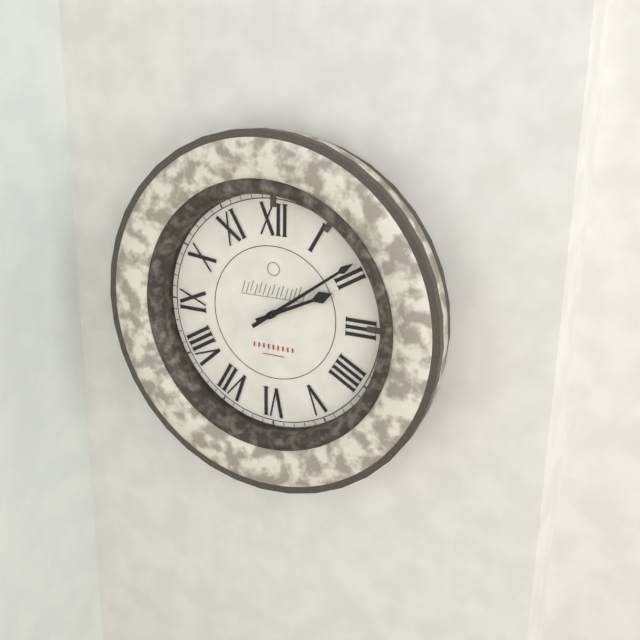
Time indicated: 2:09
